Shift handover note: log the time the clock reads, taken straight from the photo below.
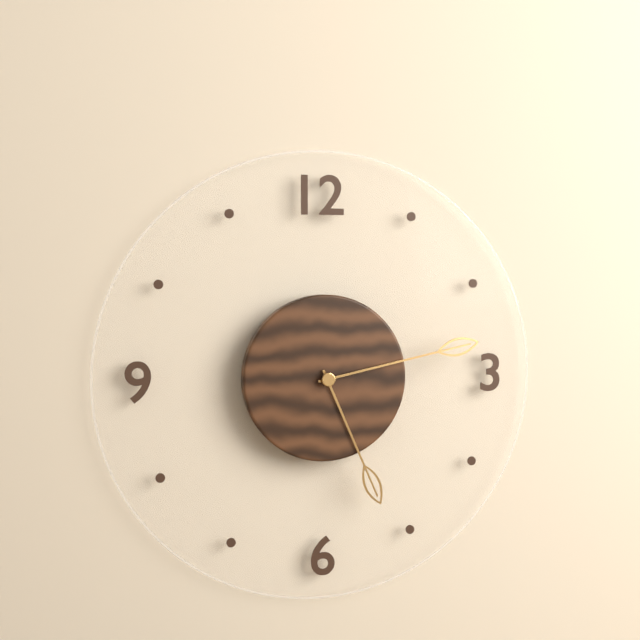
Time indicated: 5:13
